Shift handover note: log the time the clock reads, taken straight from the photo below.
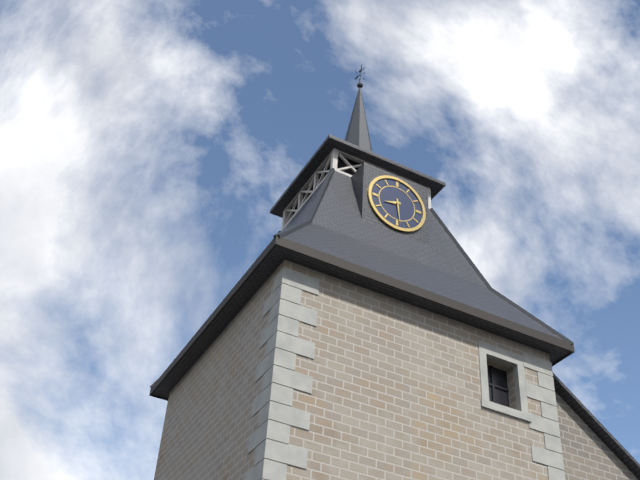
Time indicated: 8:29
